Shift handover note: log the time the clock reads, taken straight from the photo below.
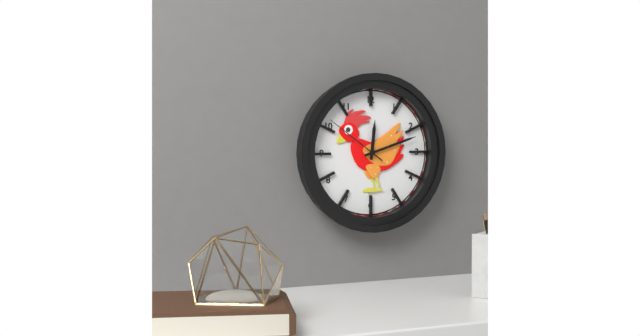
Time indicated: 12:12:51
